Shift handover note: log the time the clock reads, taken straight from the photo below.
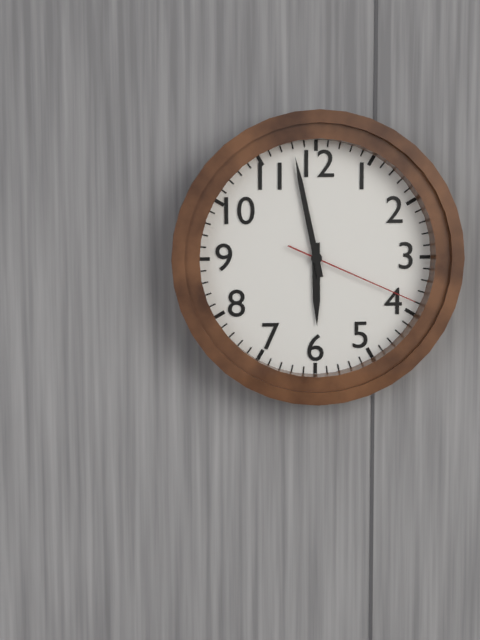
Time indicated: 5:58:19
